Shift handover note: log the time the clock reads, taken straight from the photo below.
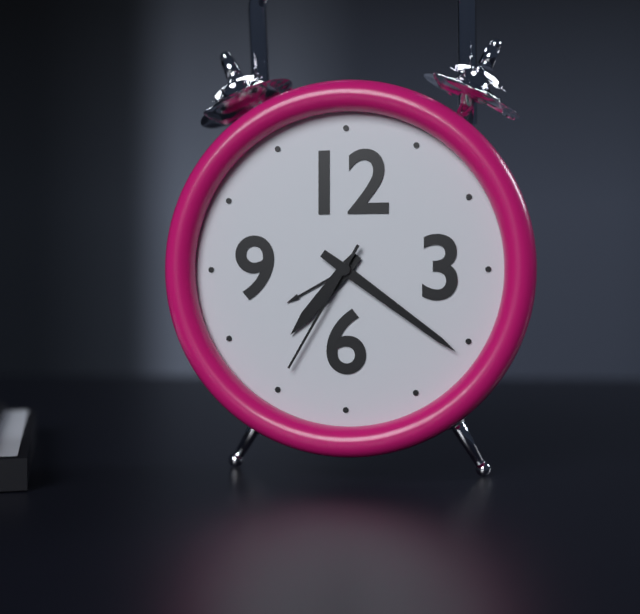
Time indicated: 7:21:35
